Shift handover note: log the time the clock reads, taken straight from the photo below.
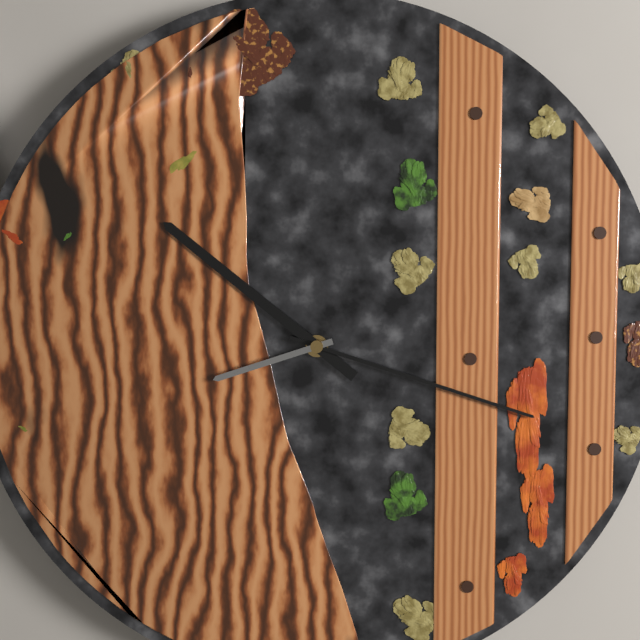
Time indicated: 10:18:42
